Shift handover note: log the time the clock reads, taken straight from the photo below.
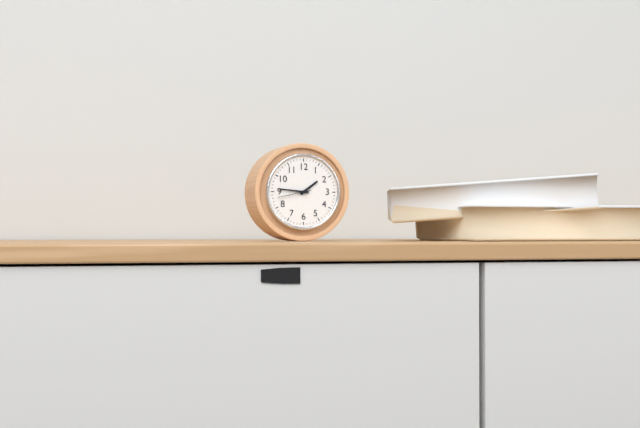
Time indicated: 1:46
